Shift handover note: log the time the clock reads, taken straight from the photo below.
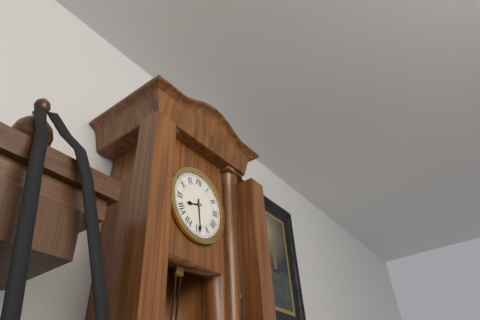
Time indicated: 8:29
